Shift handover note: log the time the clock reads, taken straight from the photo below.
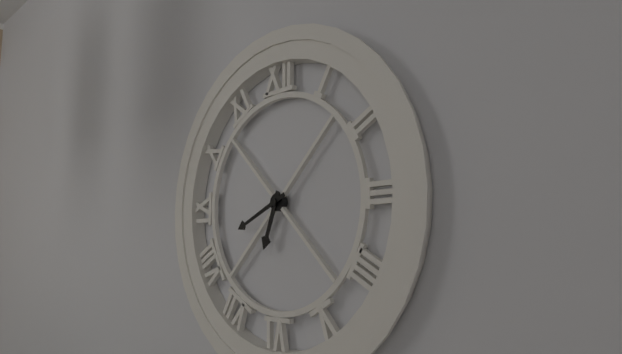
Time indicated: 6:41
